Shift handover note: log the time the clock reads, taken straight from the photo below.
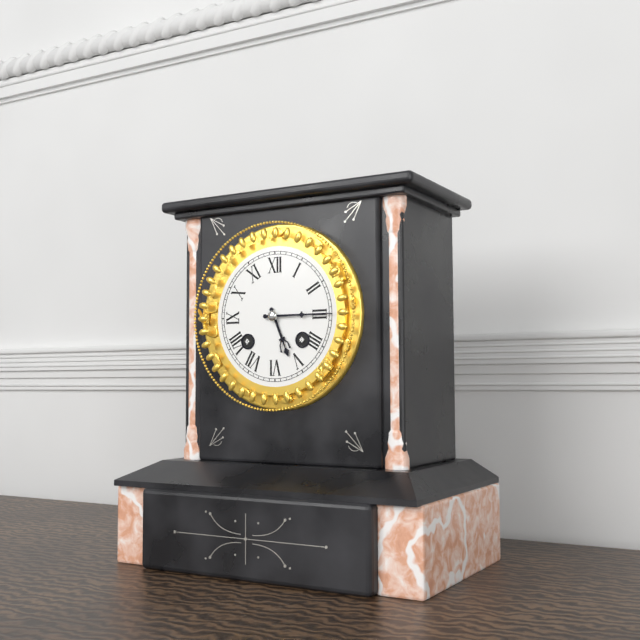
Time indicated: 5:15
